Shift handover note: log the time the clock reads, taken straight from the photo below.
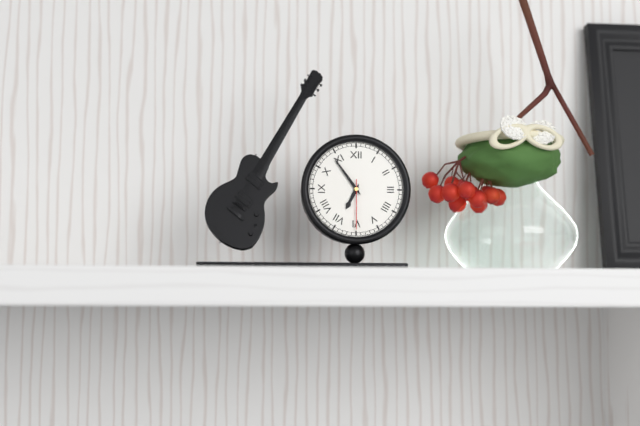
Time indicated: 6:54:30
